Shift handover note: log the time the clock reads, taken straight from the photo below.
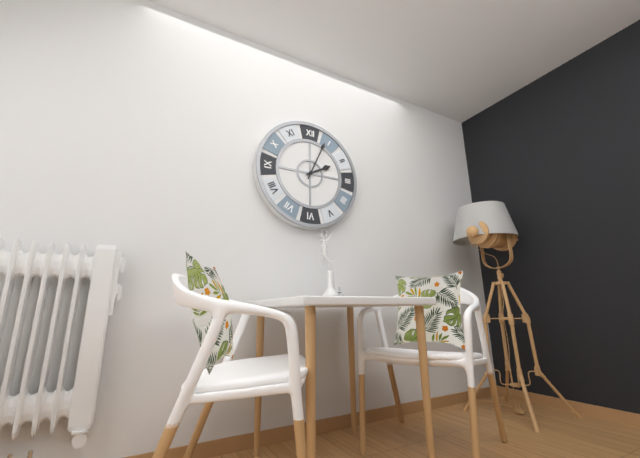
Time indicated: 2:04
